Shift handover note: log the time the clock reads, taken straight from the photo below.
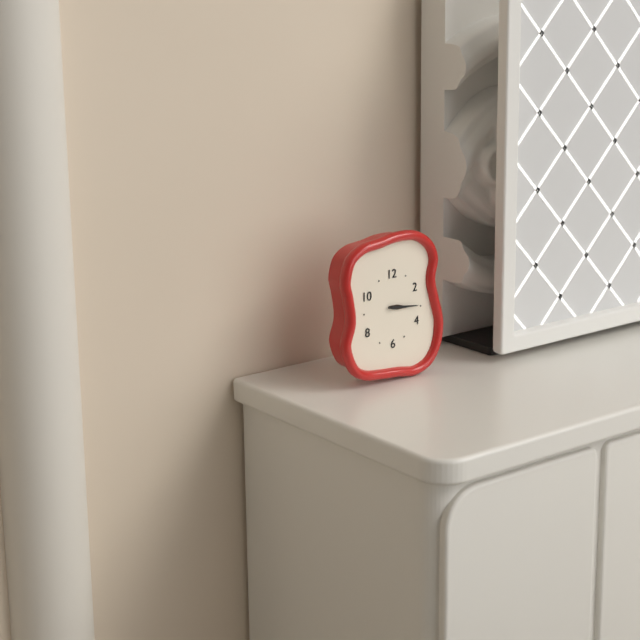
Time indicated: 3:16
